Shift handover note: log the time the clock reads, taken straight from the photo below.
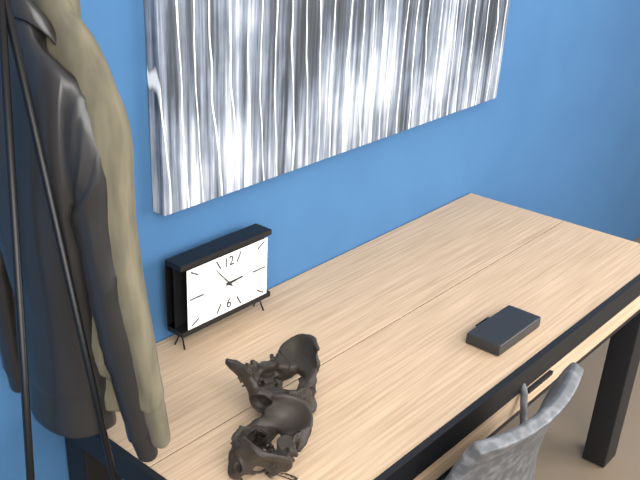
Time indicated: 2:53
